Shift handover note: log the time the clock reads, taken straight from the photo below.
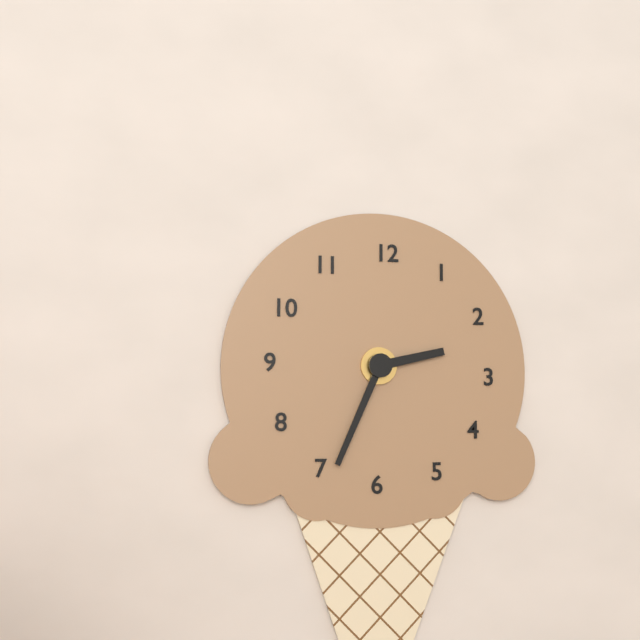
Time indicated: 2:34
